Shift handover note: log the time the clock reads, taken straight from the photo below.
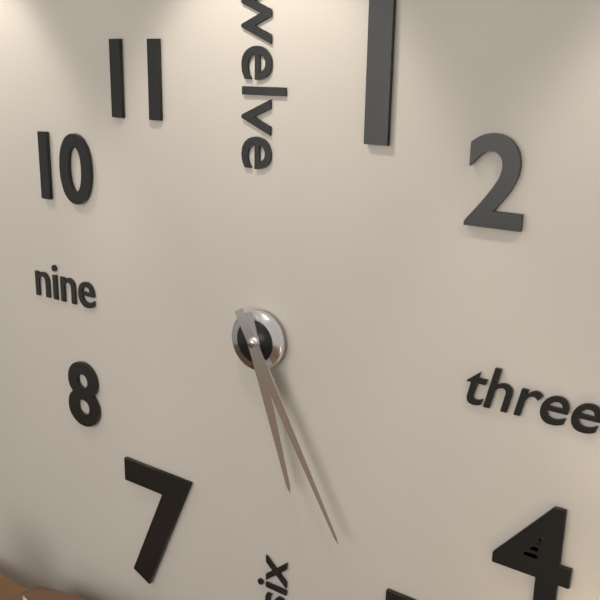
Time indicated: 5:25
